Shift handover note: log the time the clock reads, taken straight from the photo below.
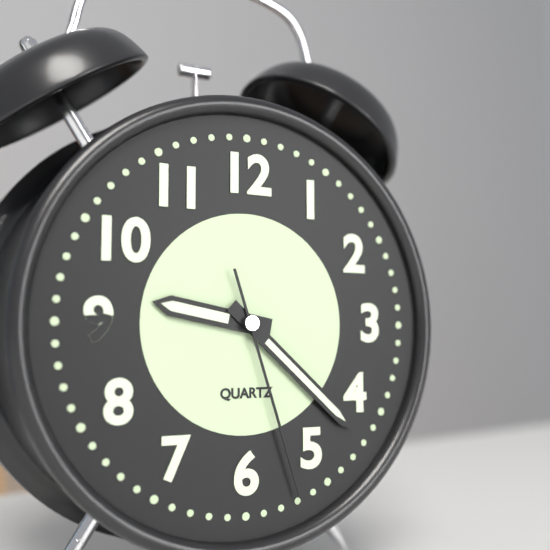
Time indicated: 9:22:27
